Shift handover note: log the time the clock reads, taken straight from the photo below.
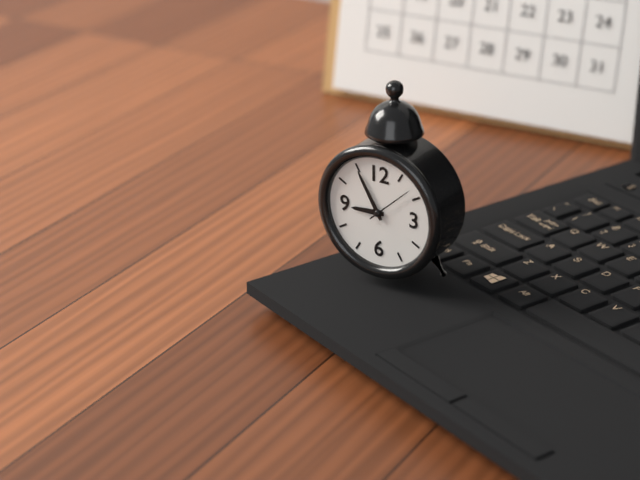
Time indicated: 8:55
